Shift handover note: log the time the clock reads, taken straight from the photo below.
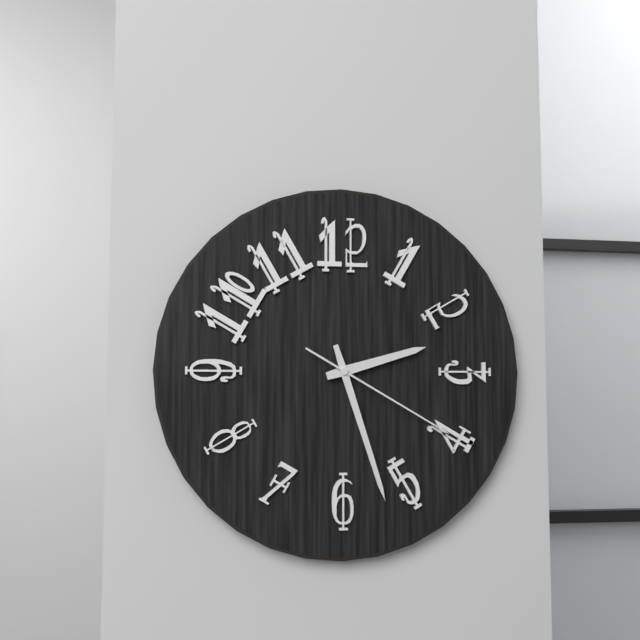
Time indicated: 2:27:20
